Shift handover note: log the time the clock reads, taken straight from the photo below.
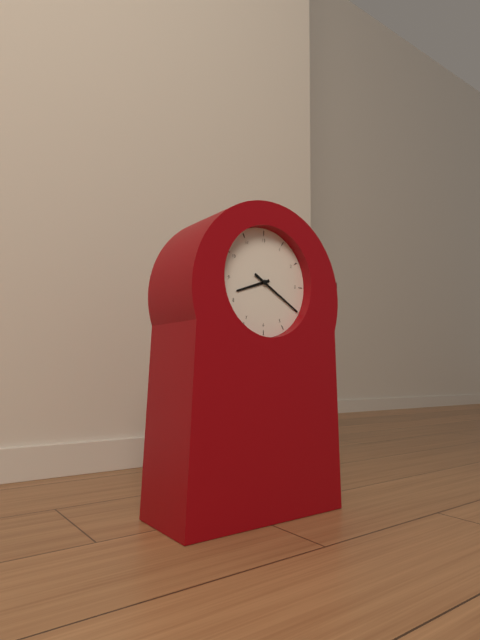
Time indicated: 8:20
